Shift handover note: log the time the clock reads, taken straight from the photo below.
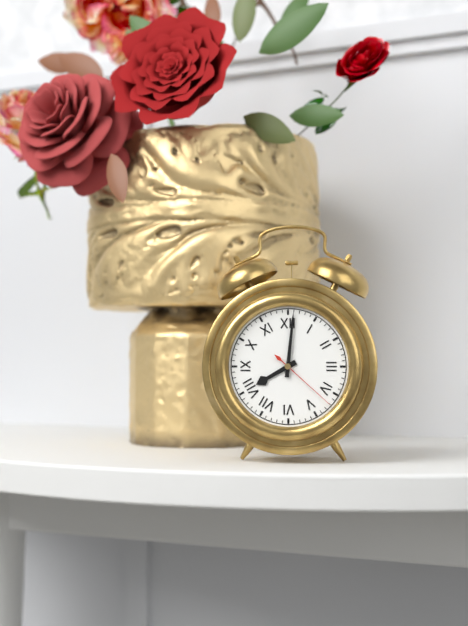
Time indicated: 8:01:22
